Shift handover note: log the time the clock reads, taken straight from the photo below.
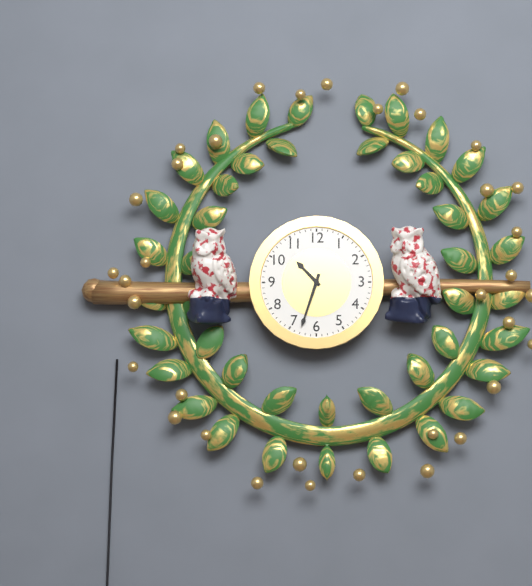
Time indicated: 10:33
